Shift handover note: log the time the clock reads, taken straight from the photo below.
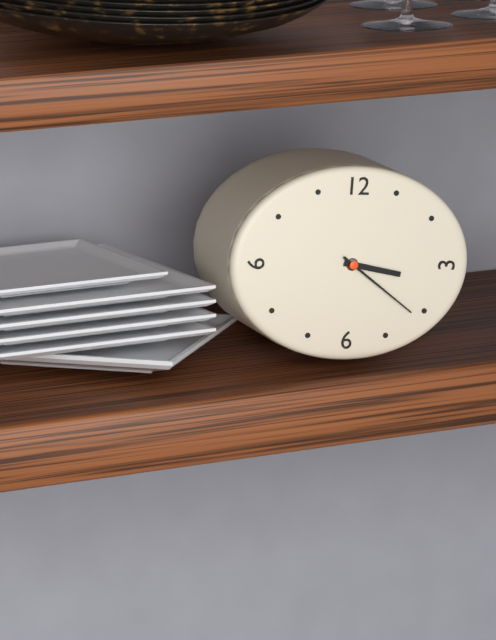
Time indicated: 3:21
